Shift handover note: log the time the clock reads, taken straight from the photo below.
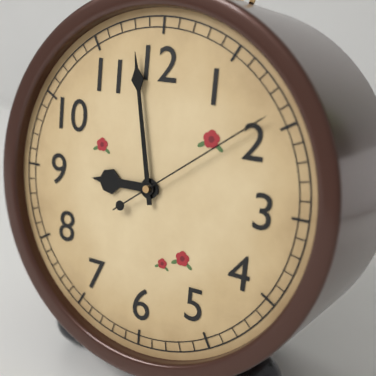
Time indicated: 8:58:09
